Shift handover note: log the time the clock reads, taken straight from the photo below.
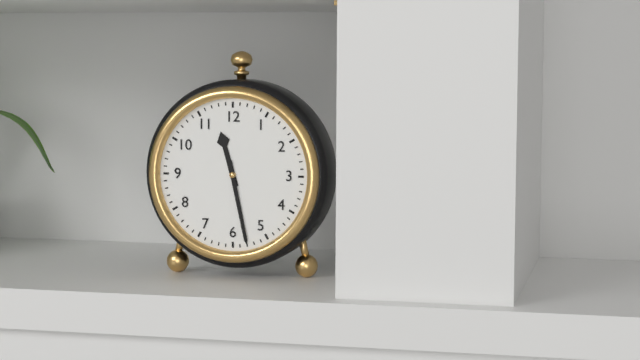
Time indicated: 11:28
